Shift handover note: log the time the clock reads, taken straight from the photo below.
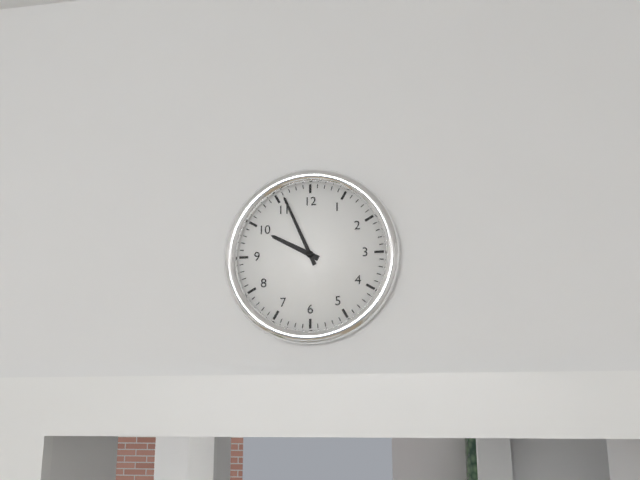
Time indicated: 9:56
